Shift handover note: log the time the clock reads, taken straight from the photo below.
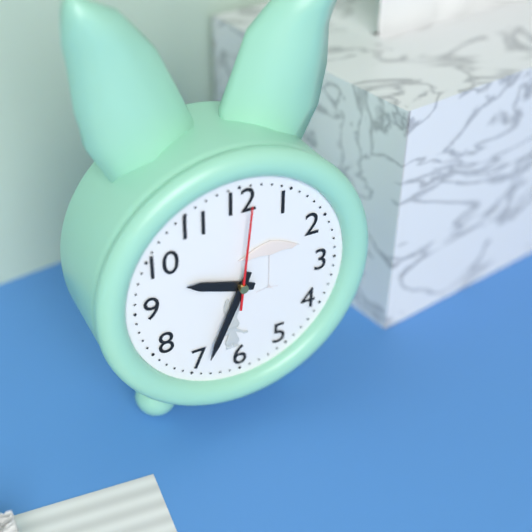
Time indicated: 9:34:01
